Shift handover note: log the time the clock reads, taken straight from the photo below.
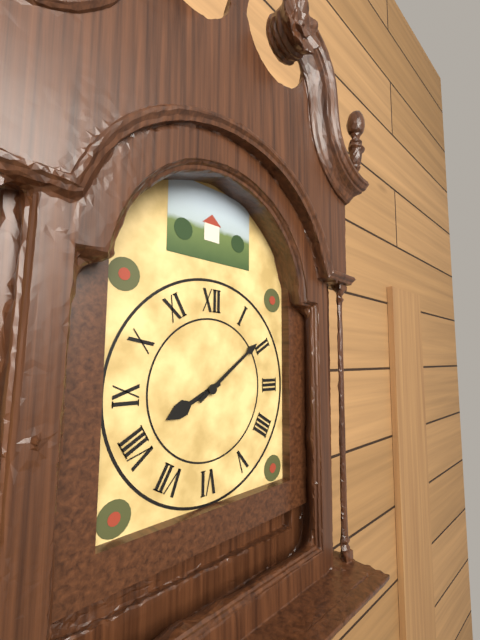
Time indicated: 8:09
